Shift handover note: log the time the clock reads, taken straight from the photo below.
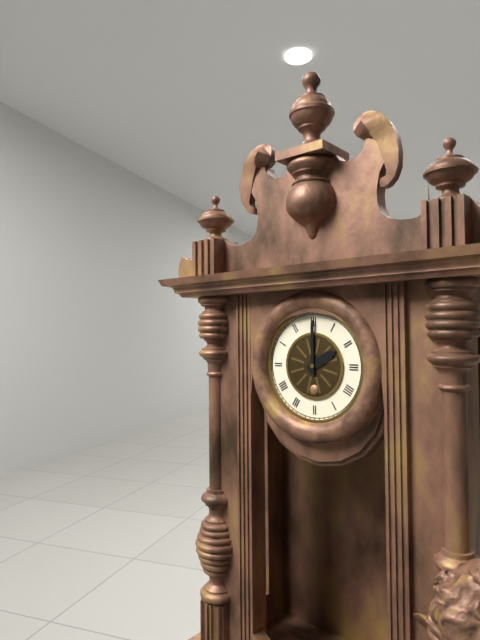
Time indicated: 2:00
